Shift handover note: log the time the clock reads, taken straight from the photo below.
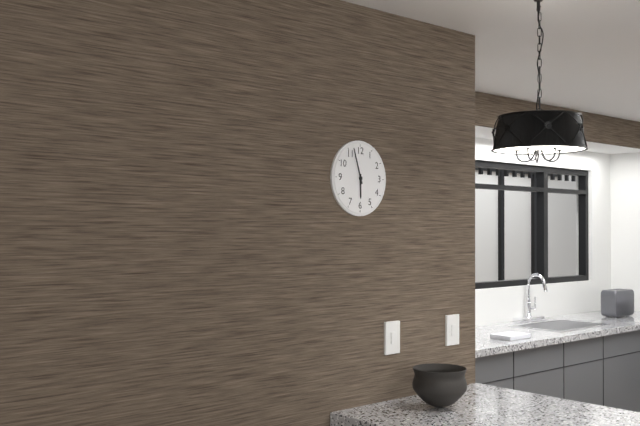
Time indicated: 5:57
